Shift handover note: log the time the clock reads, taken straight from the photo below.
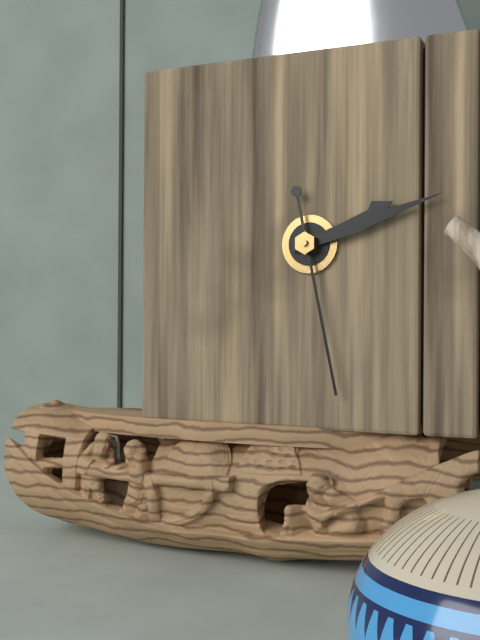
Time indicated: 2:12:28
